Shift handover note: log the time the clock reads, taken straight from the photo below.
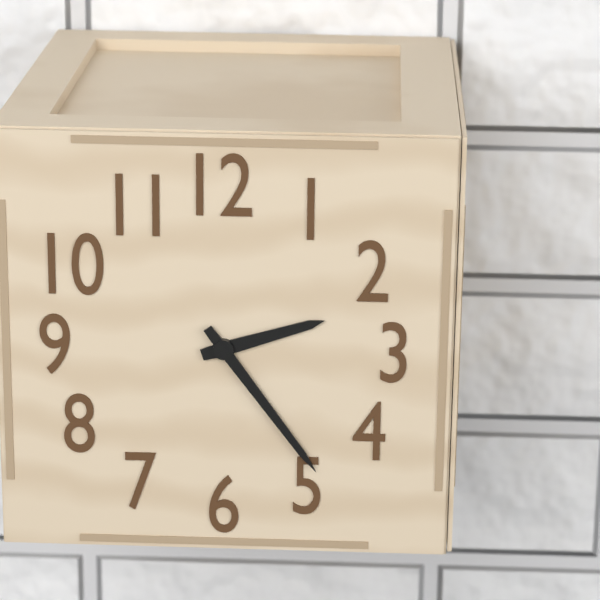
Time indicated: 2:24
